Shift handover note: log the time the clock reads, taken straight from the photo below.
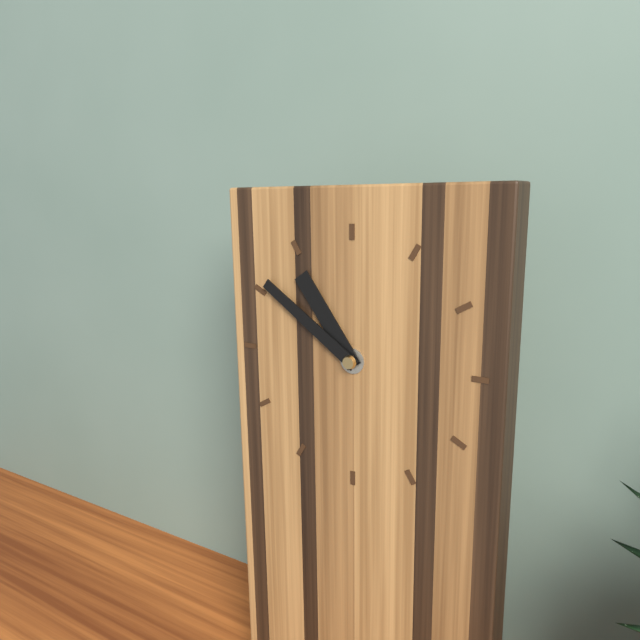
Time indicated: 10:51
